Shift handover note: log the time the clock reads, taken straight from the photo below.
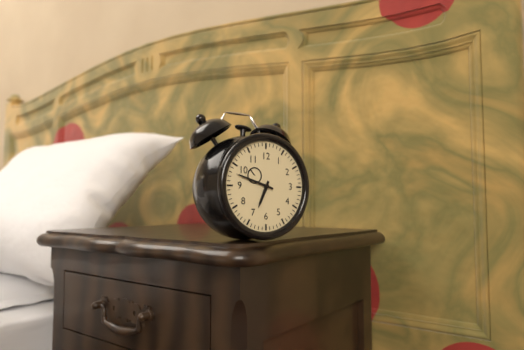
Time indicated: 6:48
